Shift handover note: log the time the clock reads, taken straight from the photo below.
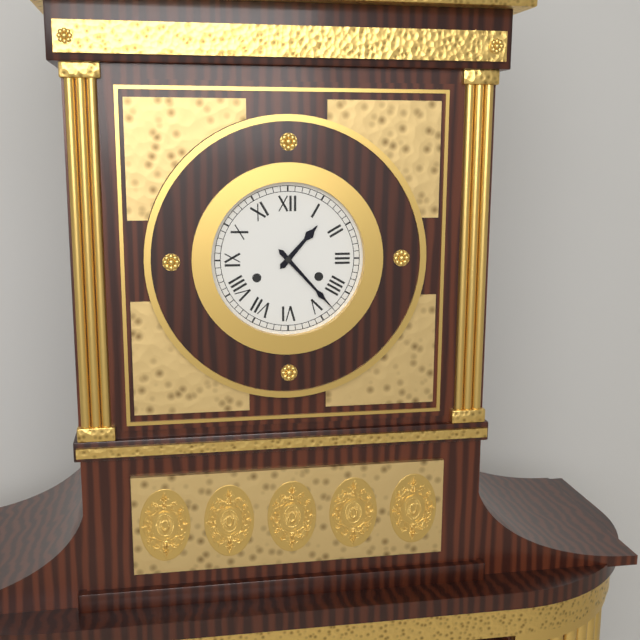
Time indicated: 1:23
